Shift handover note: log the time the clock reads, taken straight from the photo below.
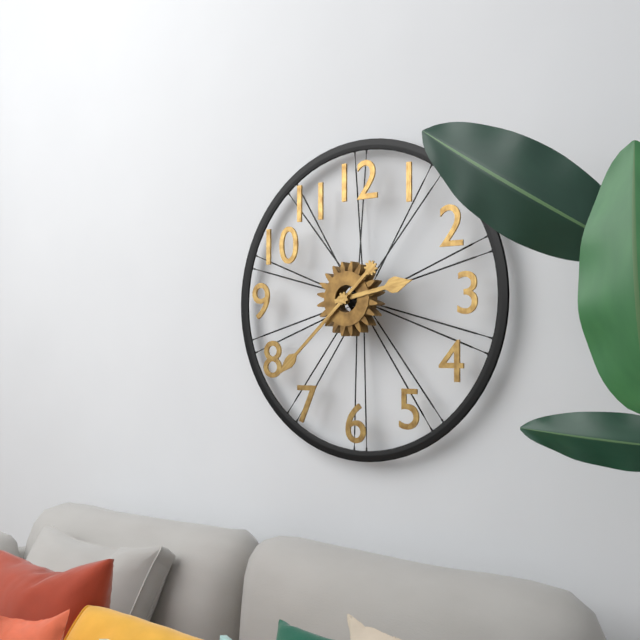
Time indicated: 2:38
